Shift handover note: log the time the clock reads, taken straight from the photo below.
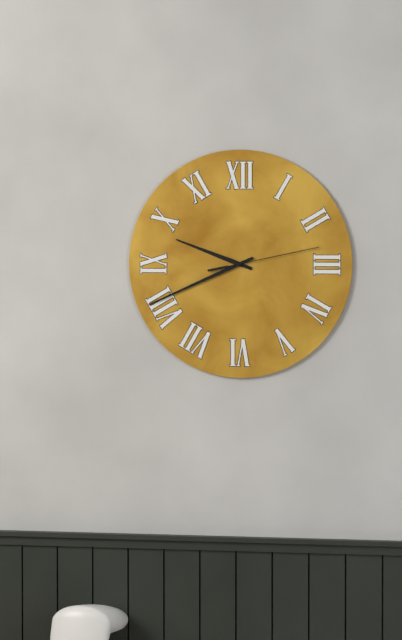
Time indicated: 9:41:13
